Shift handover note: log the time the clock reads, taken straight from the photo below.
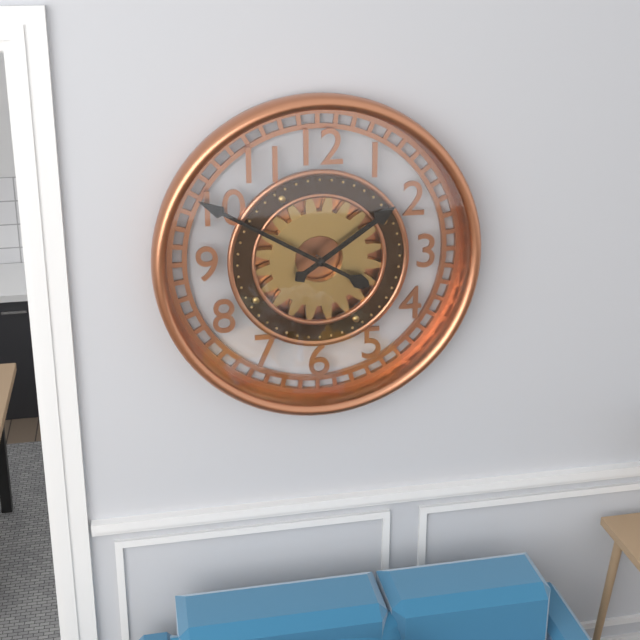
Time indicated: 1:50
